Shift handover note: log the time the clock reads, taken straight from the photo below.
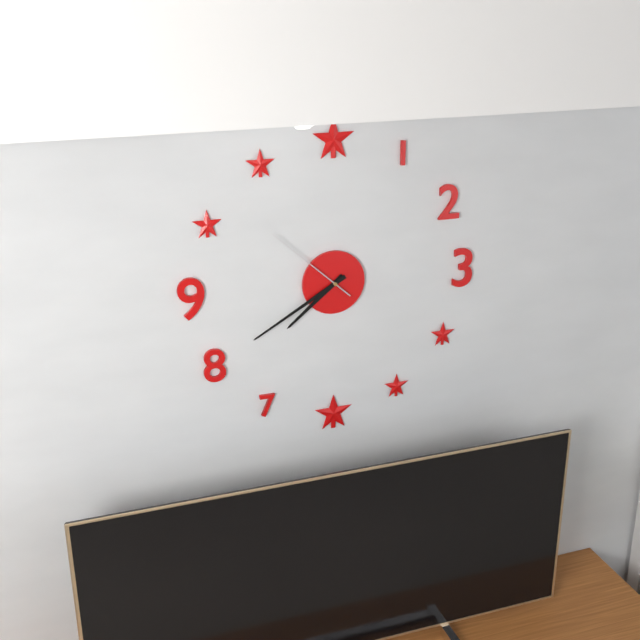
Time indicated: 7:40:52
